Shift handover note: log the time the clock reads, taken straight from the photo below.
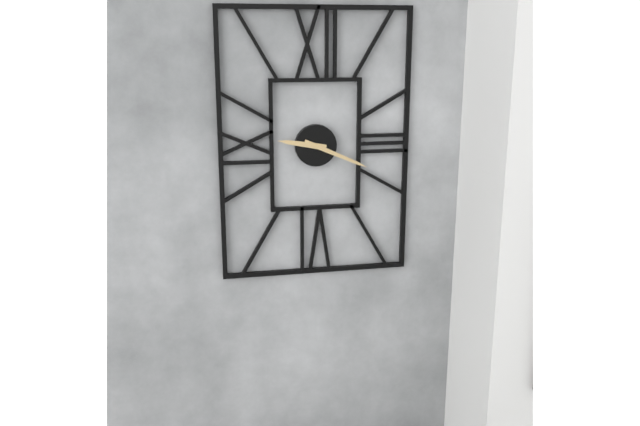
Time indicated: 9:19
